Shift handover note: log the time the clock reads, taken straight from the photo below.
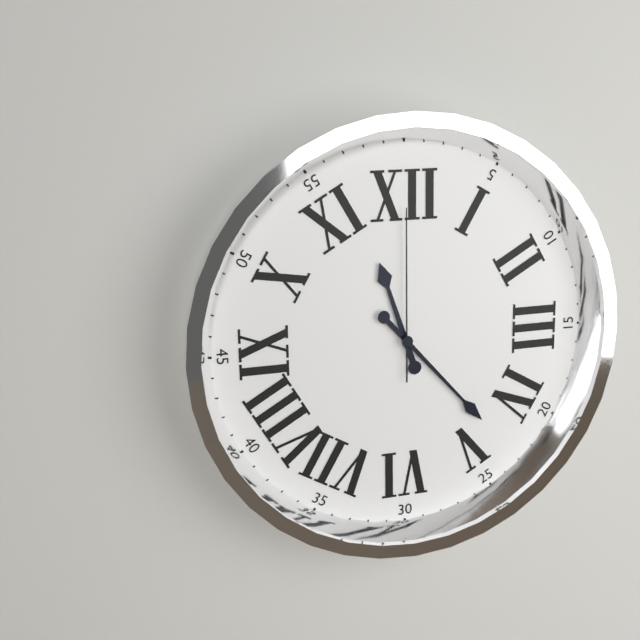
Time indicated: 11:23:00
